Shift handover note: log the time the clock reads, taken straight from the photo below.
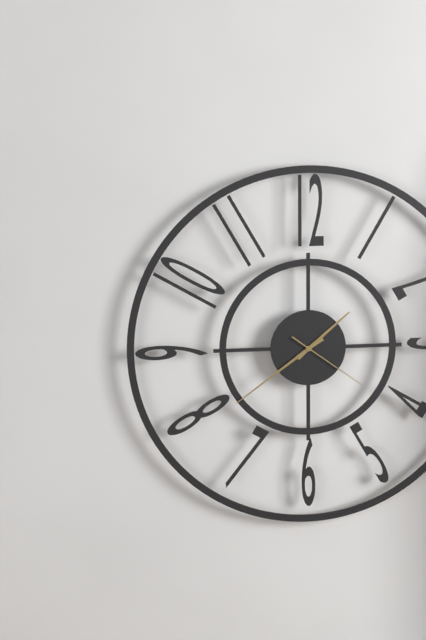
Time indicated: 1:39:21
